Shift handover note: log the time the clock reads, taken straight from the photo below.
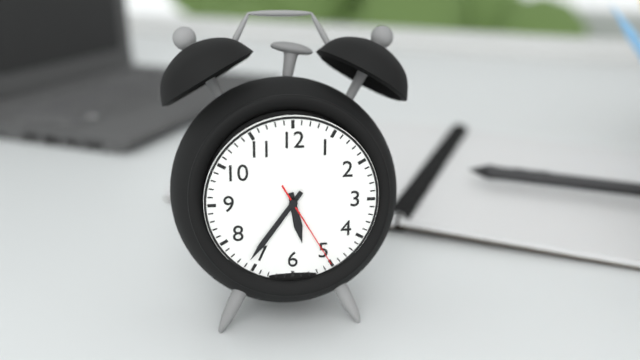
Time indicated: 5:36:25
